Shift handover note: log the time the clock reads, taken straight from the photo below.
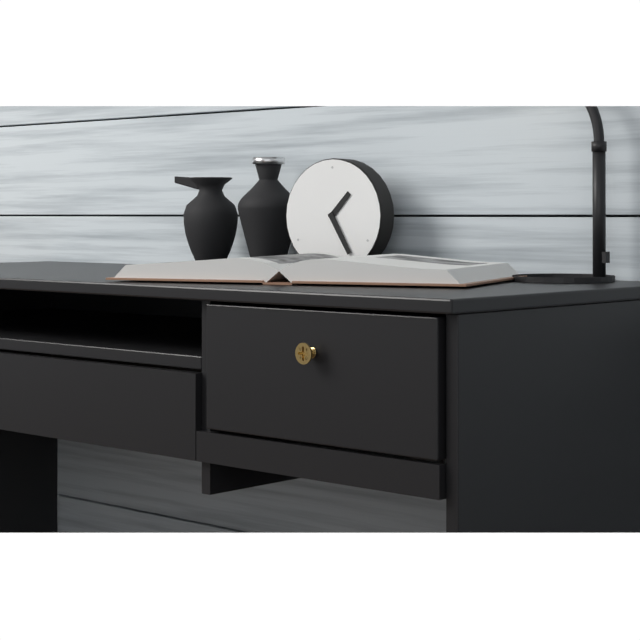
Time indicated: 1:25
